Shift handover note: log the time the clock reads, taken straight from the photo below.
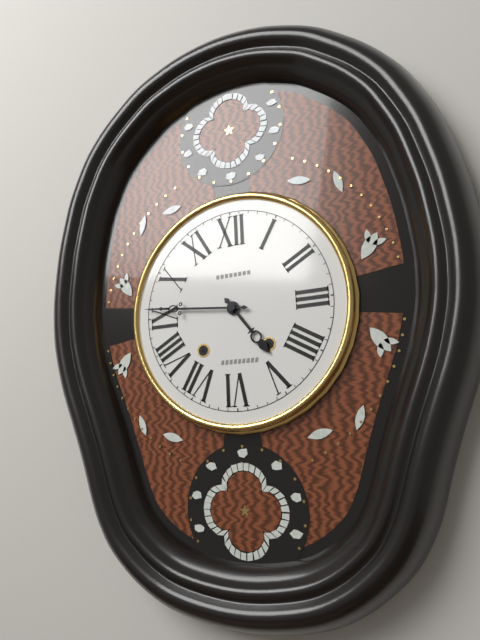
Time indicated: 4:46
